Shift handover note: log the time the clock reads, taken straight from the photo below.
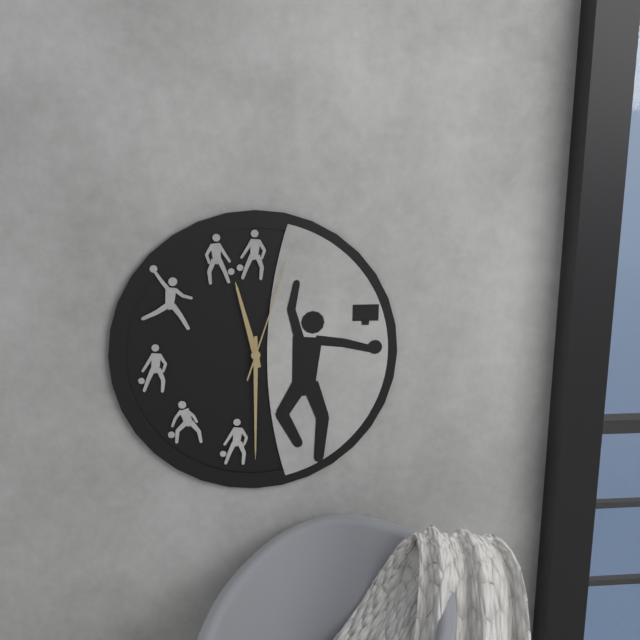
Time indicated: 11:30:03
